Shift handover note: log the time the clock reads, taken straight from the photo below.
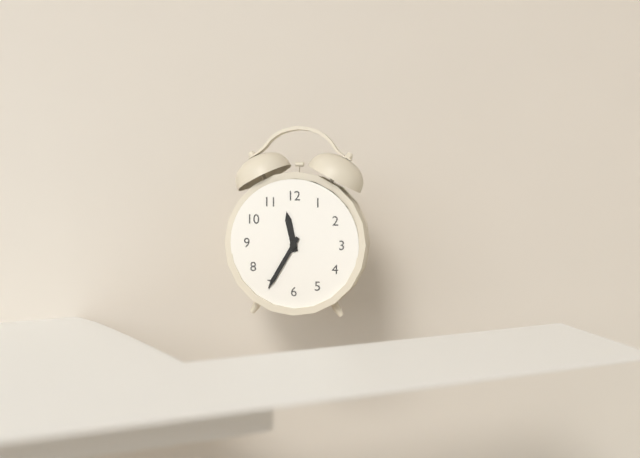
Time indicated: 11:35
